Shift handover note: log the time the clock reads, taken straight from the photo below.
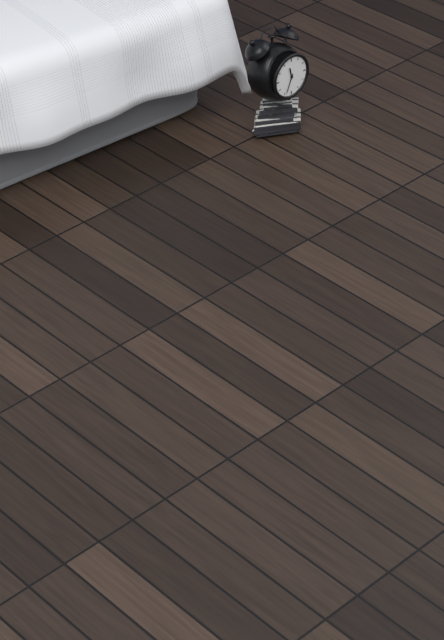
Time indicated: 11:34
